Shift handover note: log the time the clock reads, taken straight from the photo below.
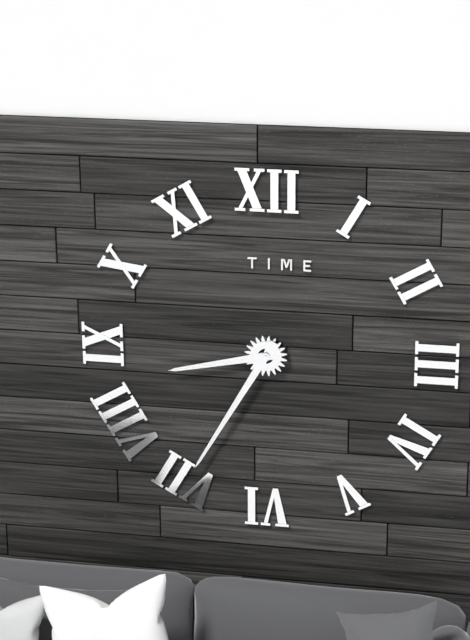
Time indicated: 8:35
